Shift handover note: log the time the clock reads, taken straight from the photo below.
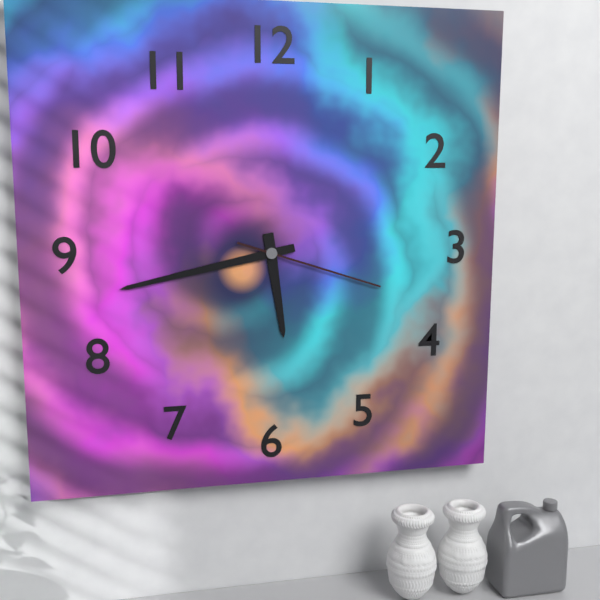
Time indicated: 5:43:18
